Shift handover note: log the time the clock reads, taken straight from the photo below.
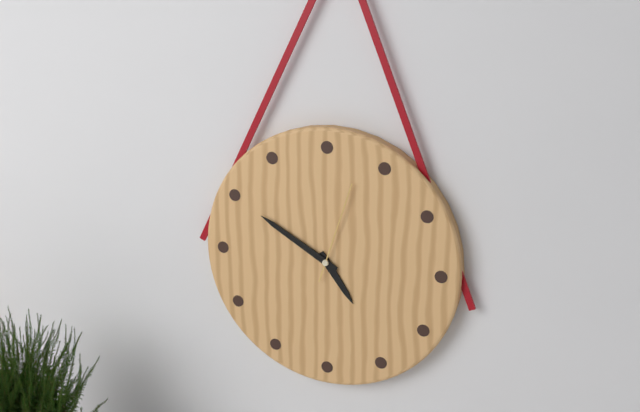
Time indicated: 4:50:03
